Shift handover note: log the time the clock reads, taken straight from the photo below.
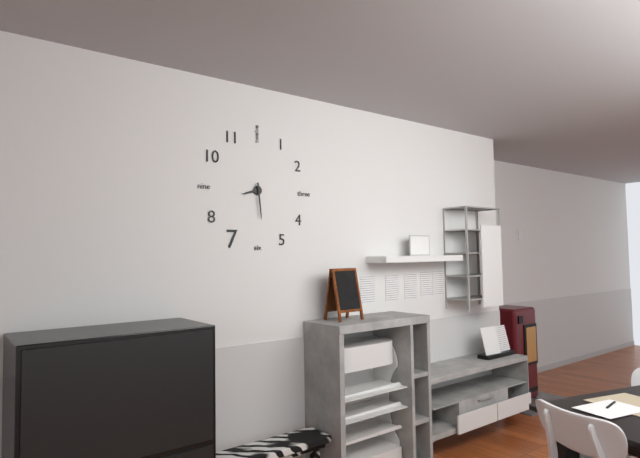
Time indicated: 8:29
